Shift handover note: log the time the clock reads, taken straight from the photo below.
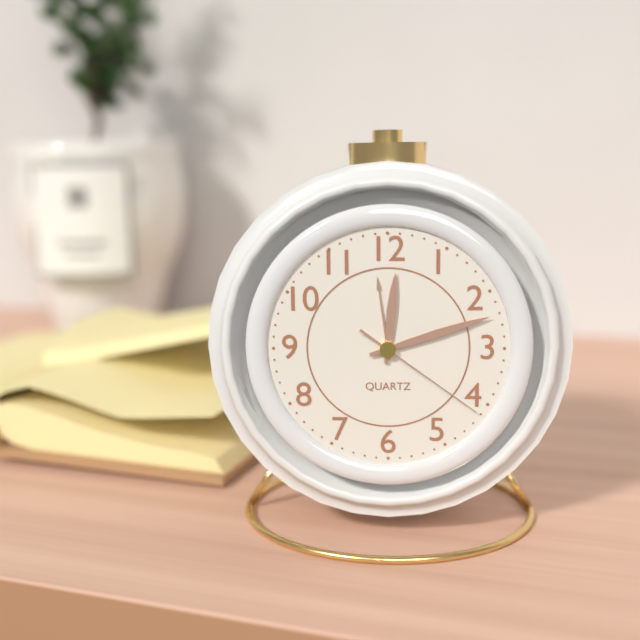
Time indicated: 12:12:21
